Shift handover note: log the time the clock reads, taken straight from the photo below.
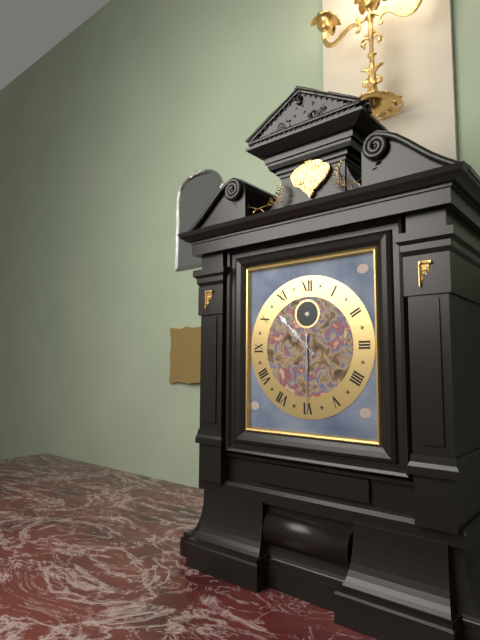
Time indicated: 10:30
